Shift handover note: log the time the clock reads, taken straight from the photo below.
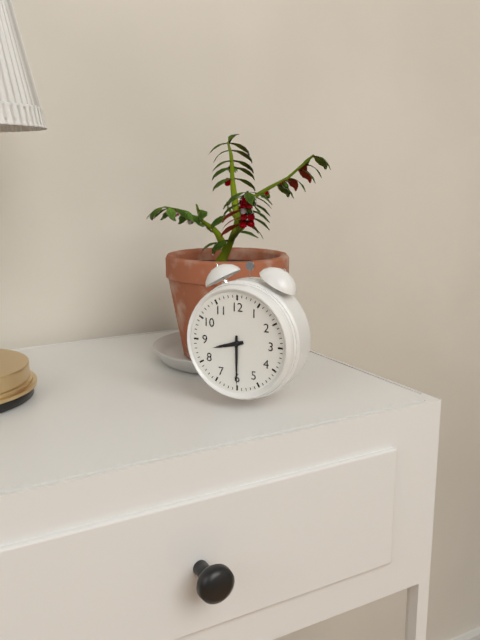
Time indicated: 8:30
